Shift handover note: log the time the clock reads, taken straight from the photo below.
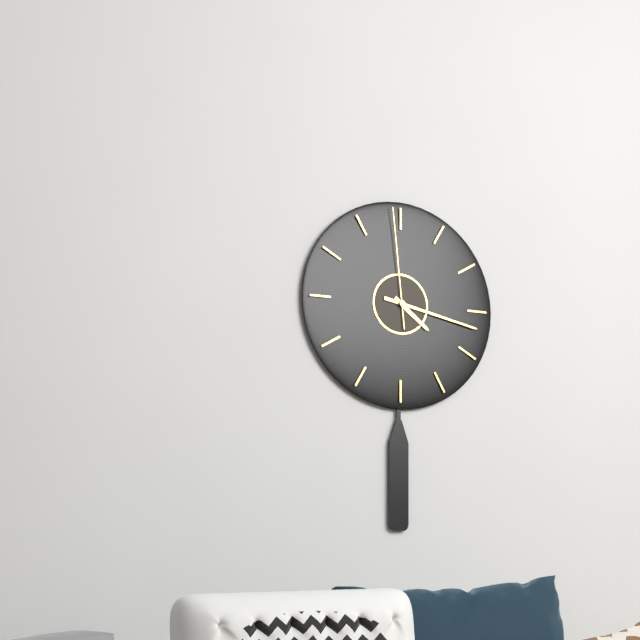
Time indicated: 4:17:59
